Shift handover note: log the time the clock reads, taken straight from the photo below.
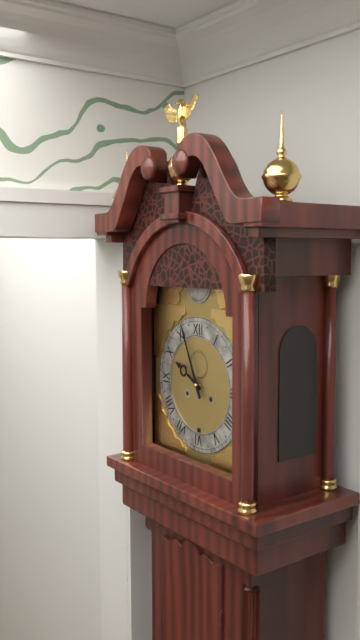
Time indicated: 9:56
